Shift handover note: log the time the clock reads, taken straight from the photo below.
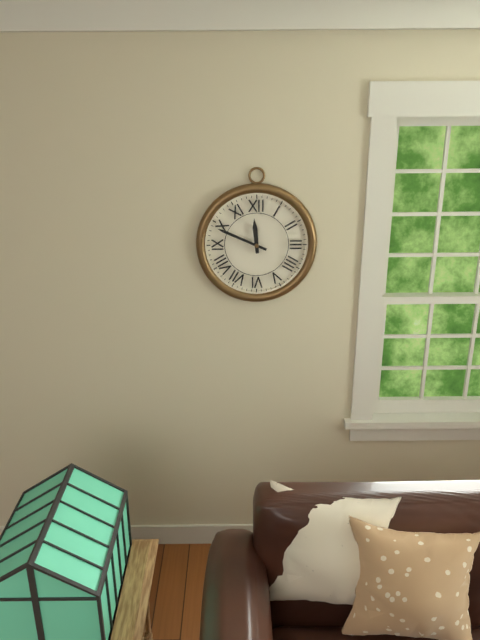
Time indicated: 11:49
